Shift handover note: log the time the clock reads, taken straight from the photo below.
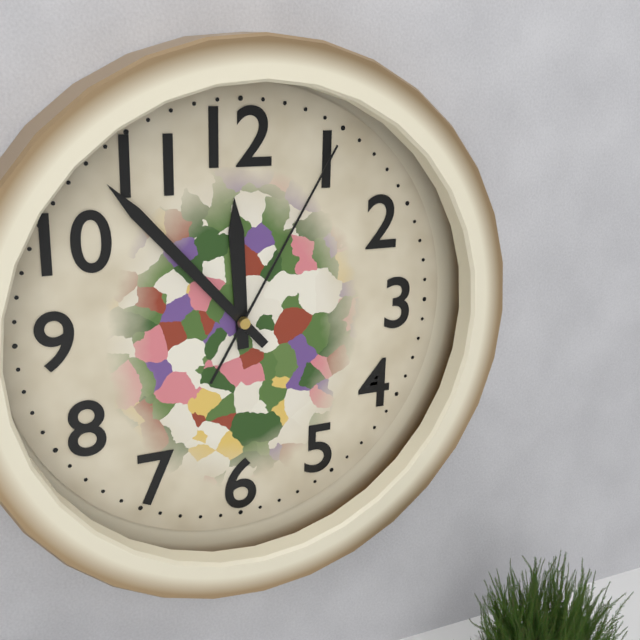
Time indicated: 11:53:05
